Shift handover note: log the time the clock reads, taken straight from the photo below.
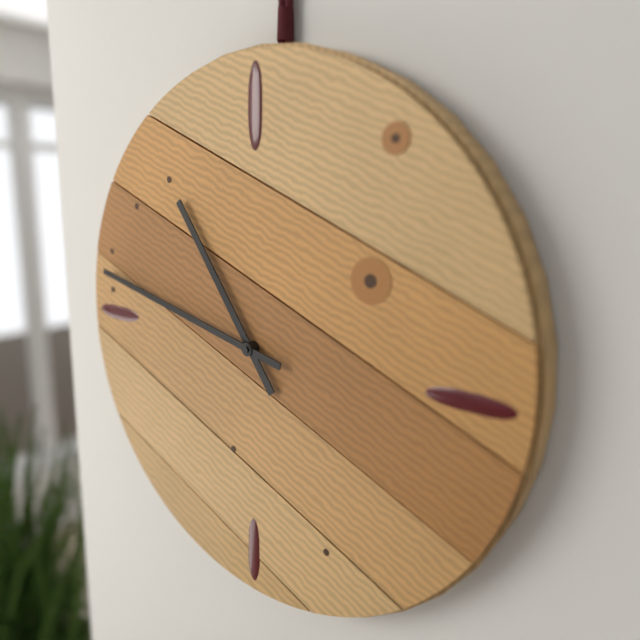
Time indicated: 10:47
